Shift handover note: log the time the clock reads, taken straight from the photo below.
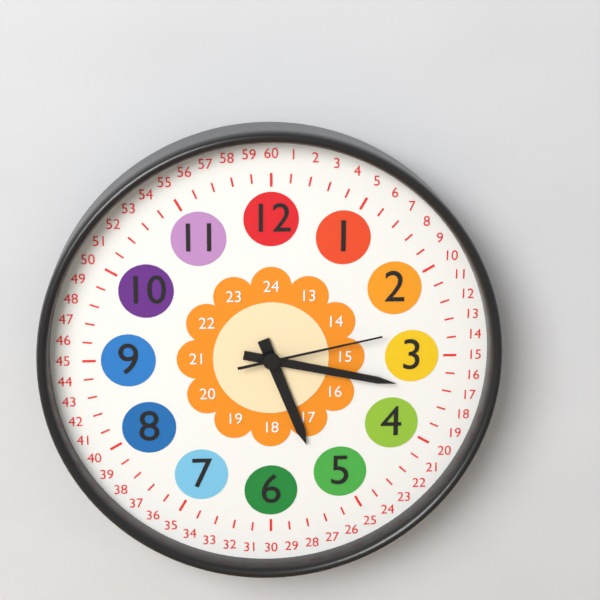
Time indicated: 5:17:13
